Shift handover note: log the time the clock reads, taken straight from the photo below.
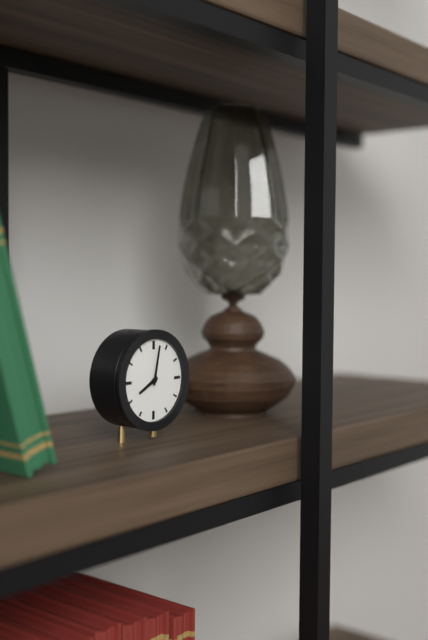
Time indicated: 8:02
